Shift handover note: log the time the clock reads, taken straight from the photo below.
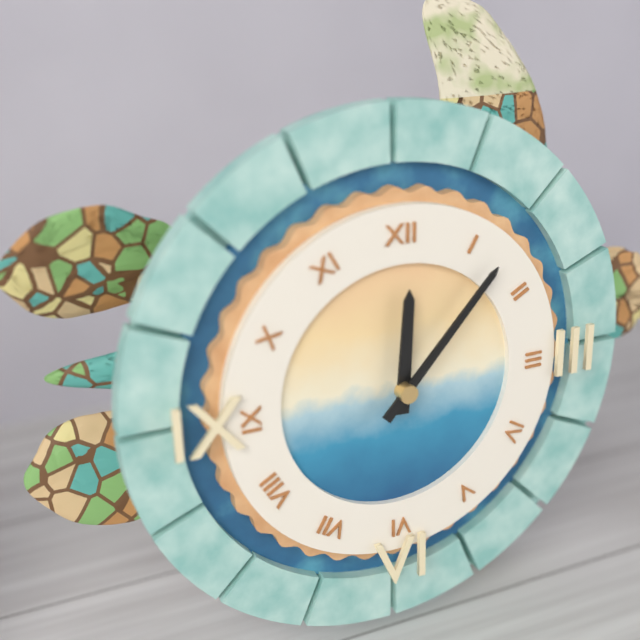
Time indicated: 12:07
